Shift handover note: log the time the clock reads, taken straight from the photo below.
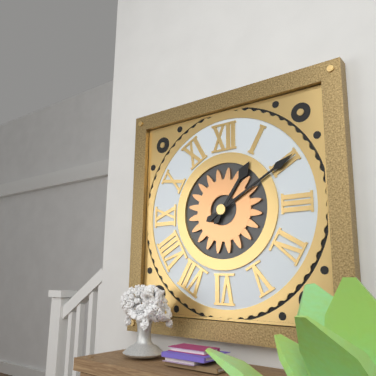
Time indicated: 1:10
